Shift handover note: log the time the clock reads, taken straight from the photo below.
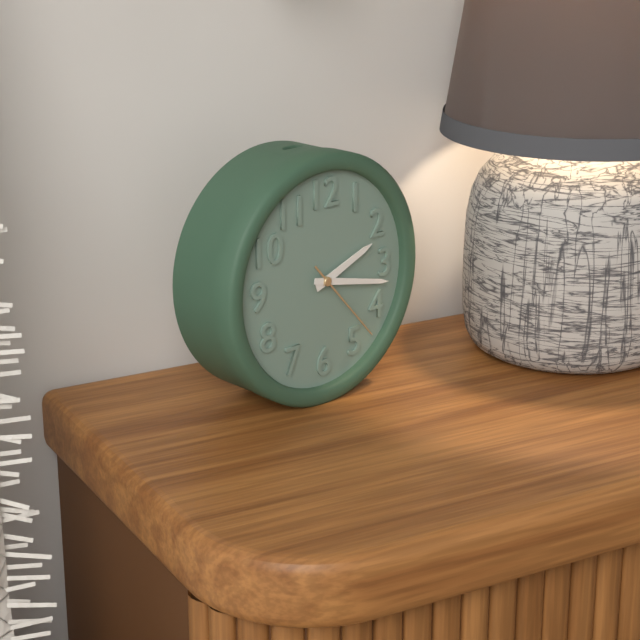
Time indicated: 2:17:23
